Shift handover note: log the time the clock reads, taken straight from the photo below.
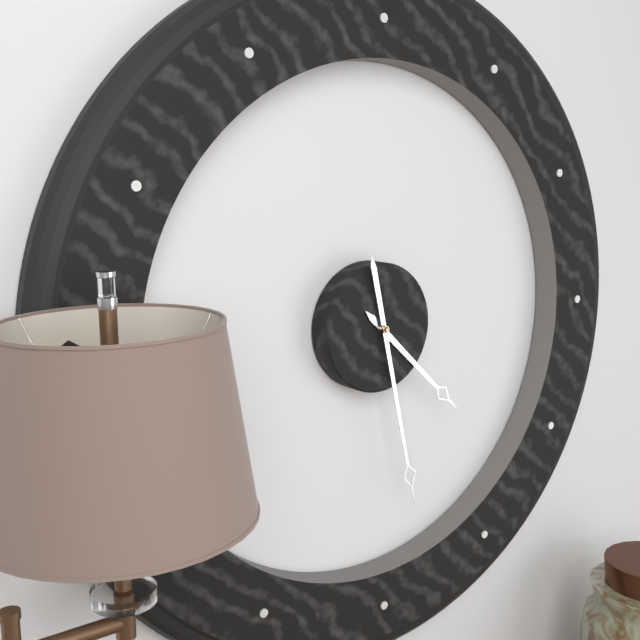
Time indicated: 4:28
